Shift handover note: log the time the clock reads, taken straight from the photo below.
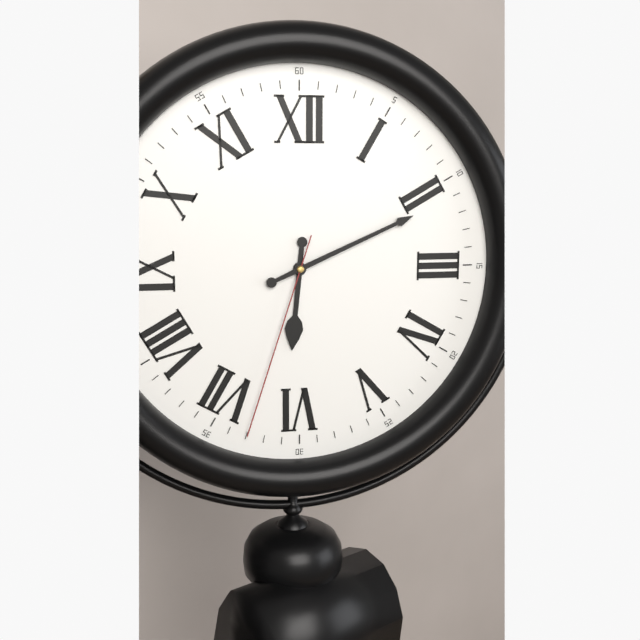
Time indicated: 6:11:33
